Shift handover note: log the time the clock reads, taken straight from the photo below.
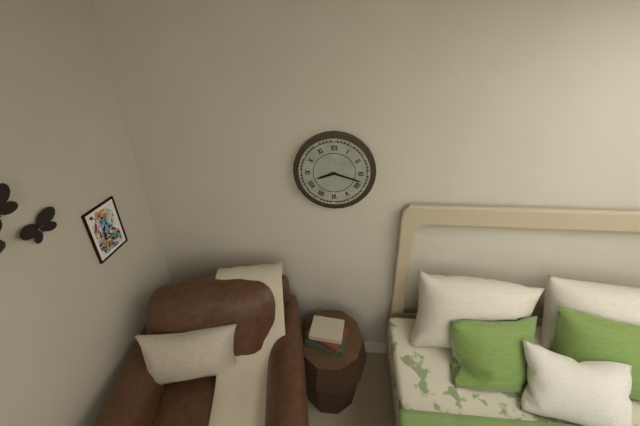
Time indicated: 8:18
